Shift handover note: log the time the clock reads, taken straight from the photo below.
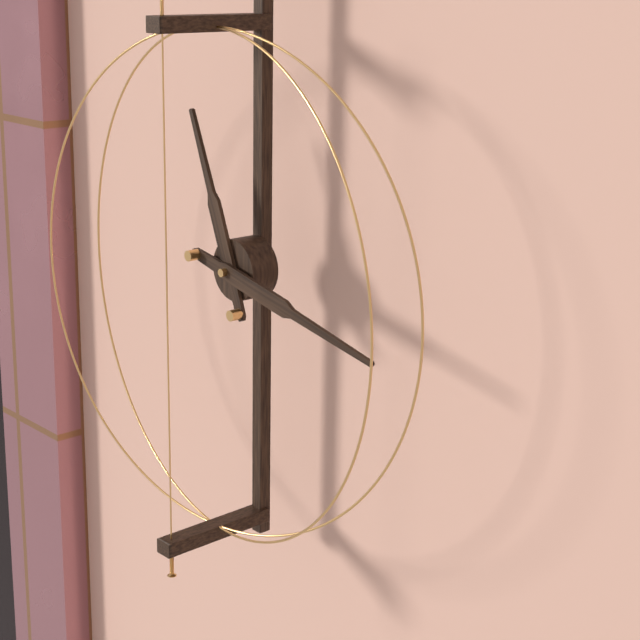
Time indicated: 11:17
